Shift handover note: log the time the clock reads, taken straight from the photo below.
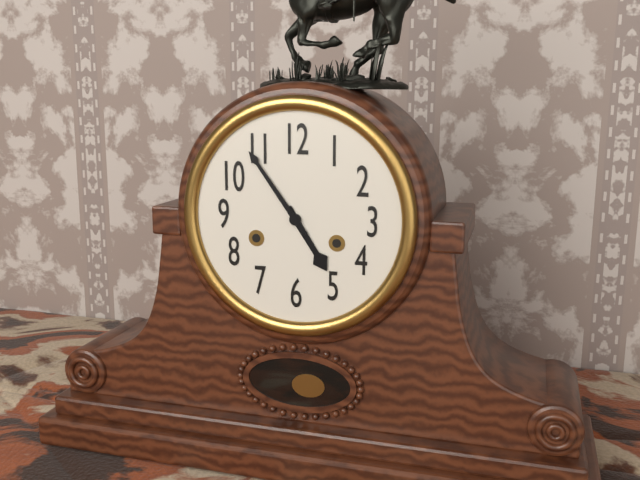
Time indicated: 4:54
